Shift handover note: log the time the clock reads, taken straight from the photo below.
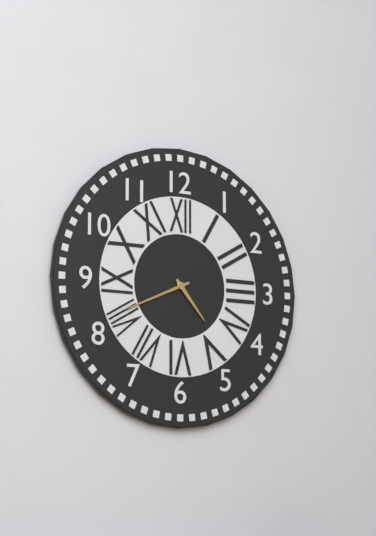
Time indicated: 4:41
